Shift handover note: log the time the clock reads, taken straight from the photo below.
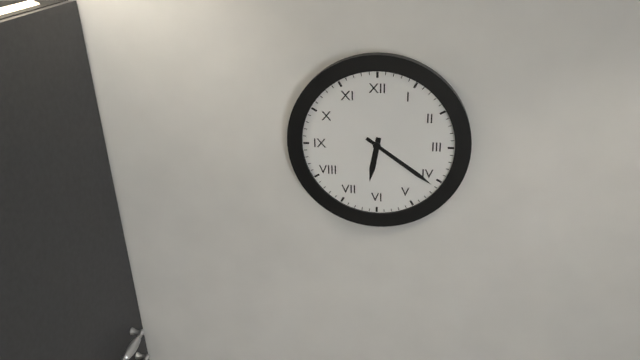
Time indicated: 6:21
